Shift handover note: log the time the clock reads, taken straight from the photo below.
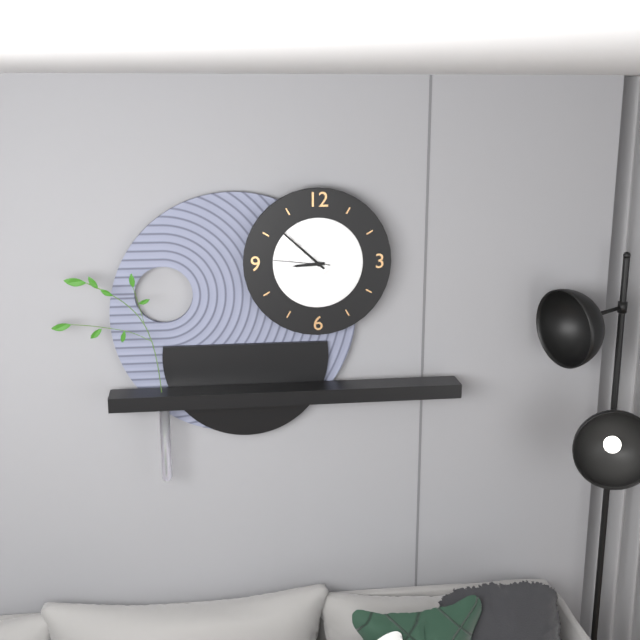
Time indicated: 8:52:46
